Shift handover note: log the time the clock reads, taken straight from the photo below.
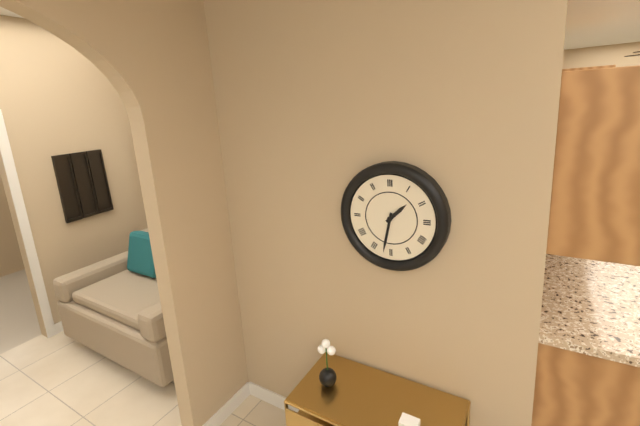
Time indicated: 1:32
